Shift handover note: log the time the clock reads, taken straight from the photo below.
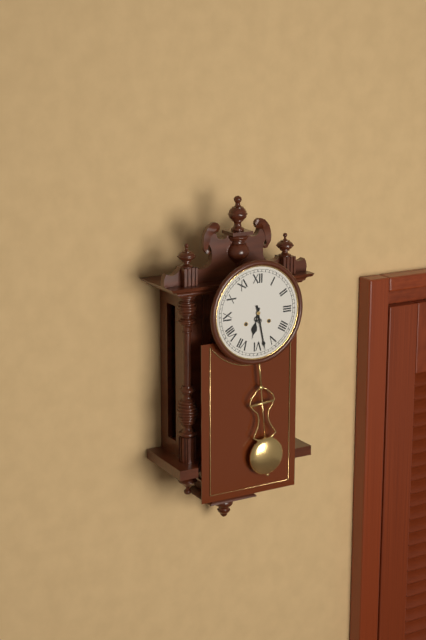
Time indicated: 6:28
